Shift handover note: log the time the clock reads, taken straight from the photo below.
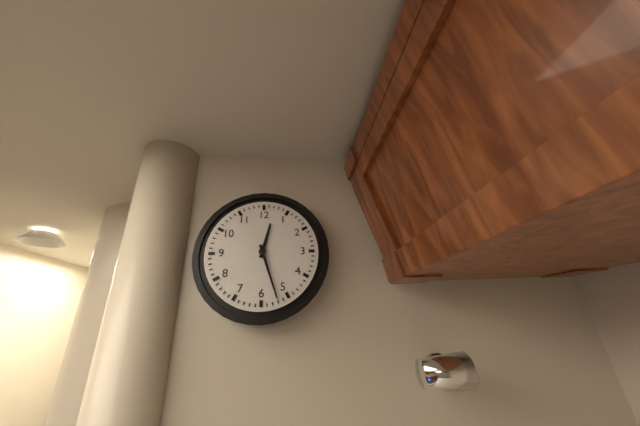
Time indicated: 12:27
